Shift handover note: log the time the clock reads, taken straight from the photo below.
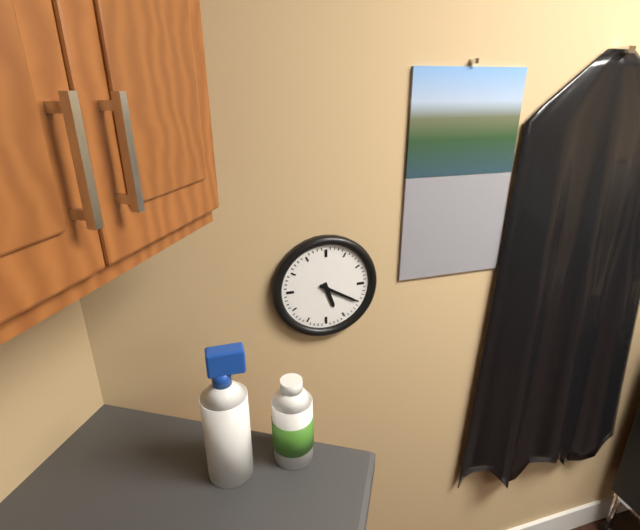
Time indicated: 5:20
